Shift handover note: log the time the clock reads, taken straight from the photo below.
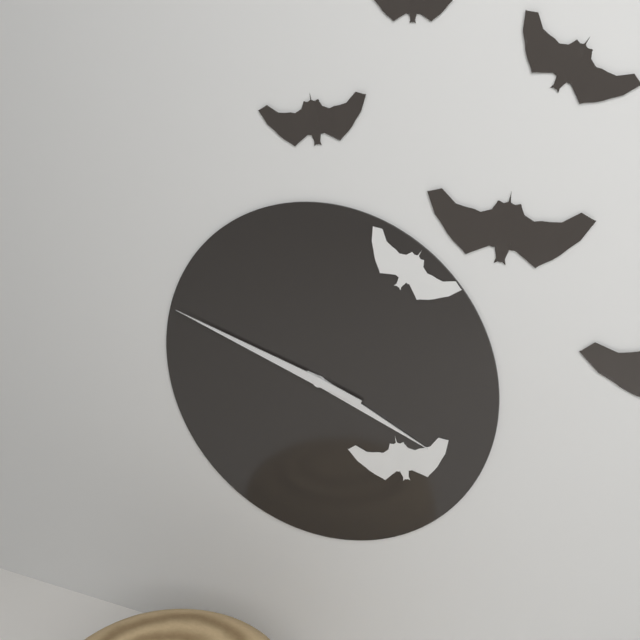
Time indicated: 3:48
